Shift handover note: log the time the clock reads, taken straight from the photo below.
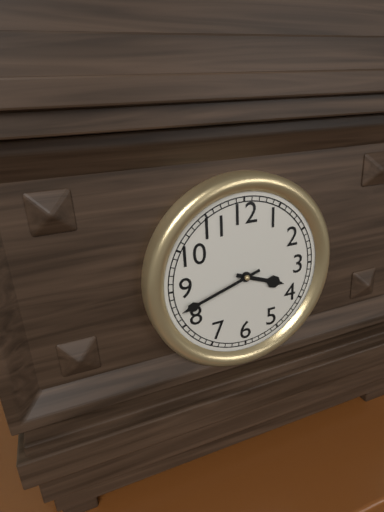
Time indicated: 3:42
